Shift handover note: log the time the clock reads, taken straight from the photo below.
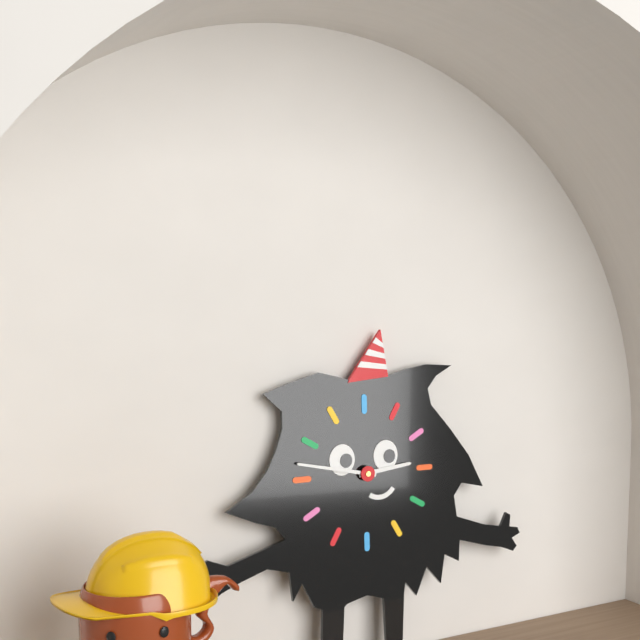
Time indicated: 2:47
